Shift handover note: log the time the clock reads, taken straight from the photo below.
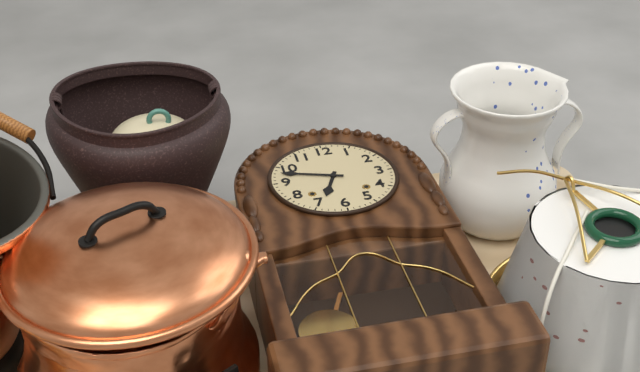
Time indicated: 6:48
